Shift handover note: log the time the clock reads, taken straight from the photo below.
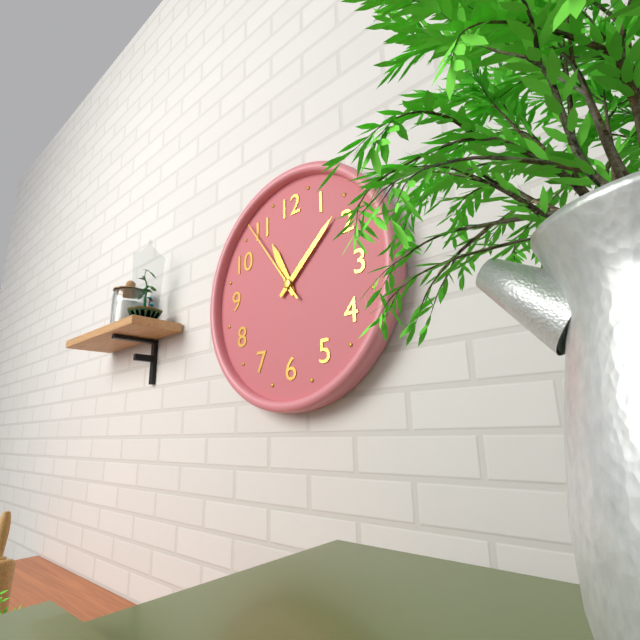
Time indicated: 11:08:54
